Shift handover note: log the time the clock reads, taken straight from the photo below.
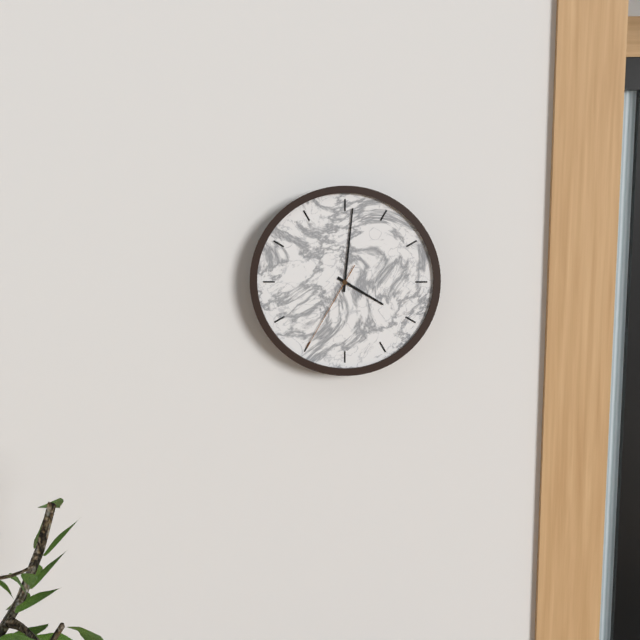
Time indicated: 4:01:35
